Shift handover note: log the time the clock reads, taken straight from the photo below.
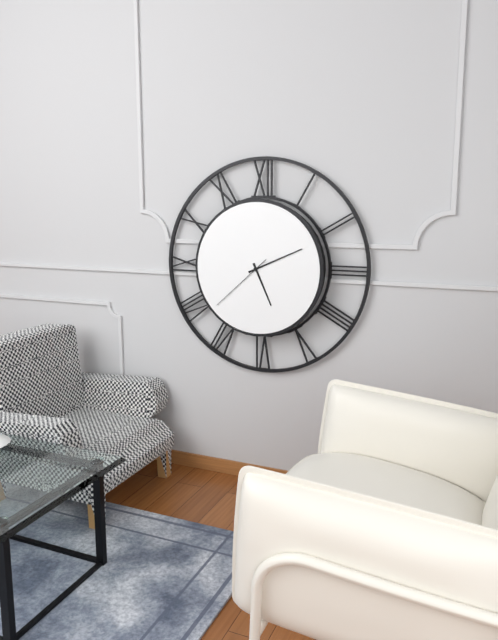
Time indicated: 5:11:38
